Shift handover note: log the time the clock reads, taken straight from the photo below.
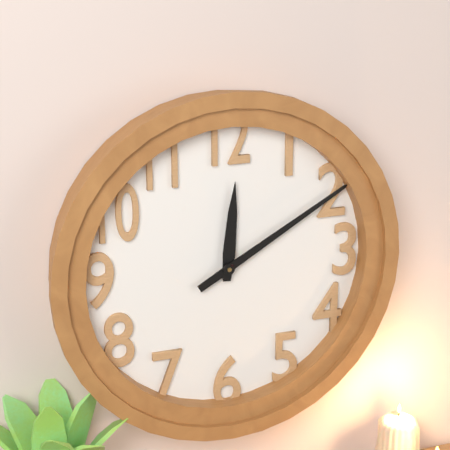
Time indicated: 12:10
